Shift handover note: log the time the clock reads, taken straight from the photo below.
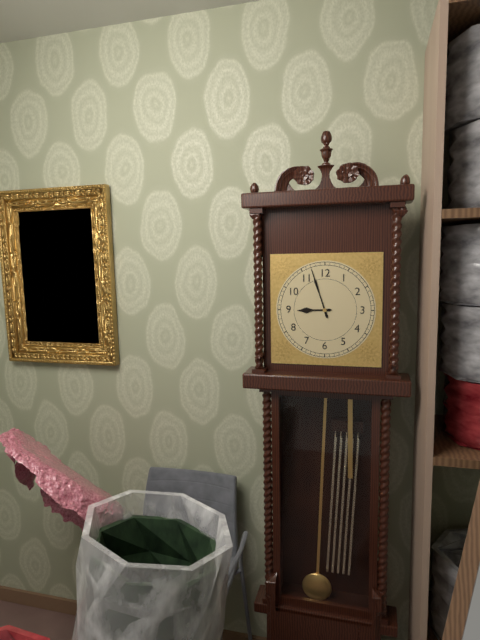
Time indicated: 8:57
